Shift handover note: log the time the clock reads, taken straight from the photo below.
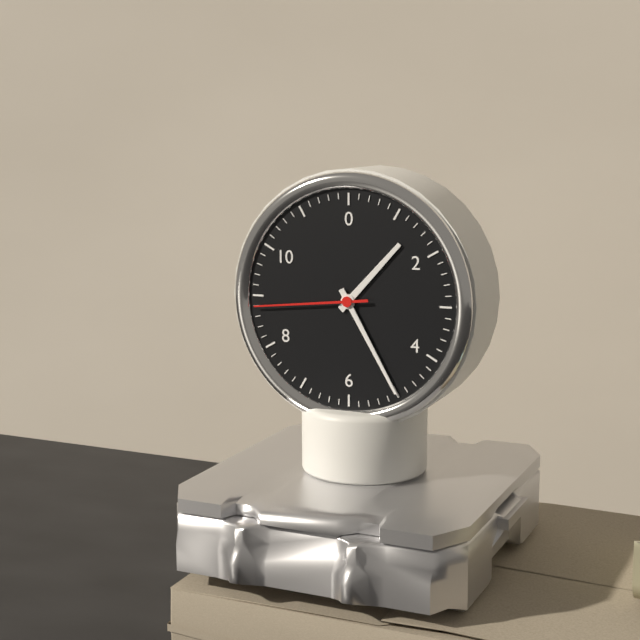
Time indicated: 1:25:44
